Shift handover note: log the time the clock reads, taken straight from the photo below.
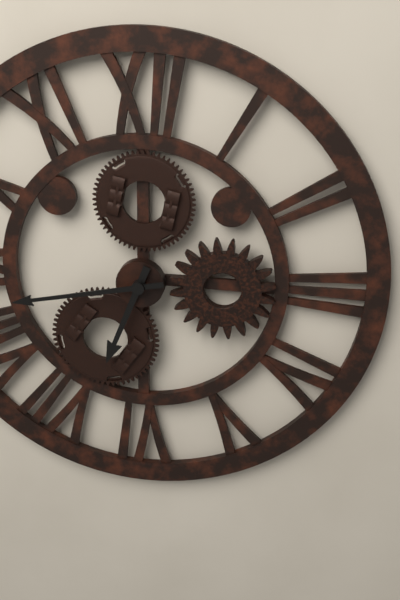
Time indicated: 6:43
